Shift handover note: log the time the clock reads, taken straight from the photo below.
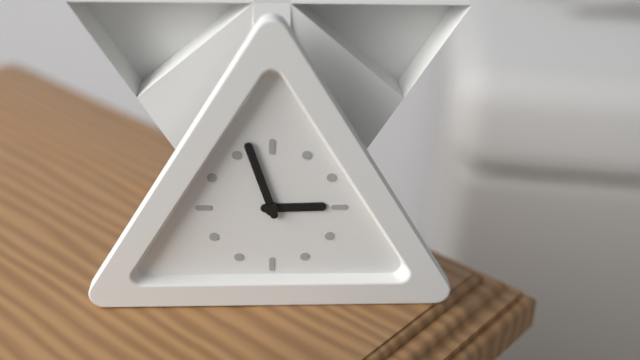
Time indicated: 2:57
